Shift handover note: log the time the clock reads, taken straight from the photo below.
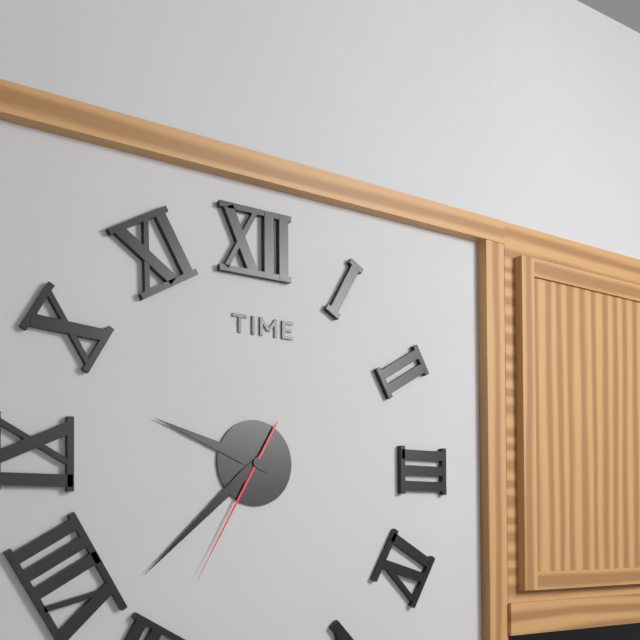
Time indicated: 9:38:35
